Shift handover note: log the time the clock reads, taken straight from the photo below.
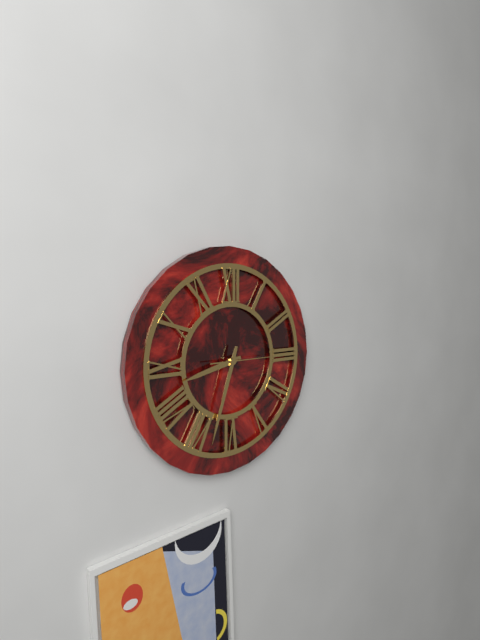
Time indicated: 8:33:15
